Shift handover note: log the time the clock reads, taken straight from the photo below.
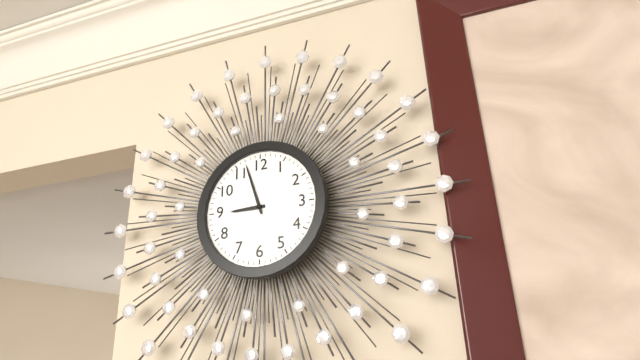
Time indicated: 8:57
